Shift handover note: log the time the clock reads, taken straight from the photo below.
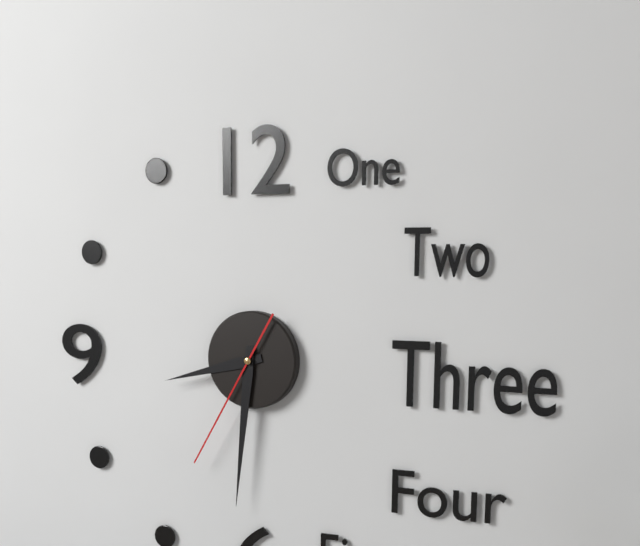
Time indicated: 8:31:35
